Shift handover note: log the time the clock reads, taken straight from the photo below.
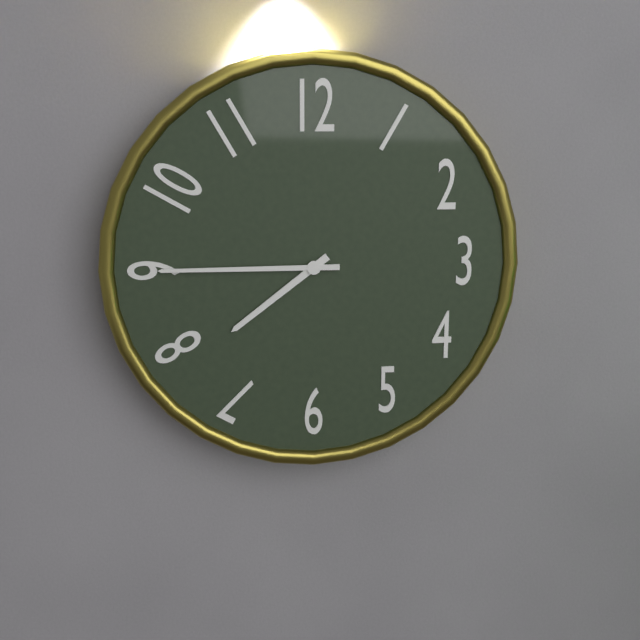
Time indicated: 7:45
